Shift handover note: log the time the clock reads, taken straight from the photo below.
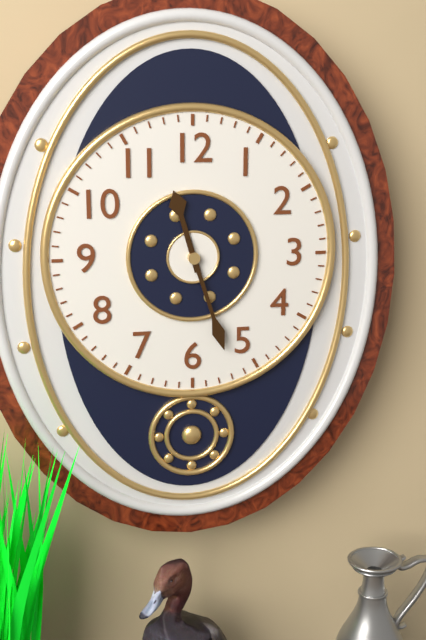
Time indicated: 11:27
